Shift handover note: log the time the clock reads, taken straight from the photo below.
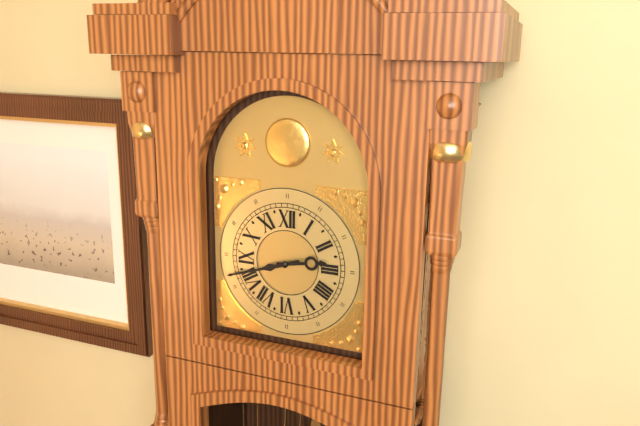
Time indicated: 2:42
